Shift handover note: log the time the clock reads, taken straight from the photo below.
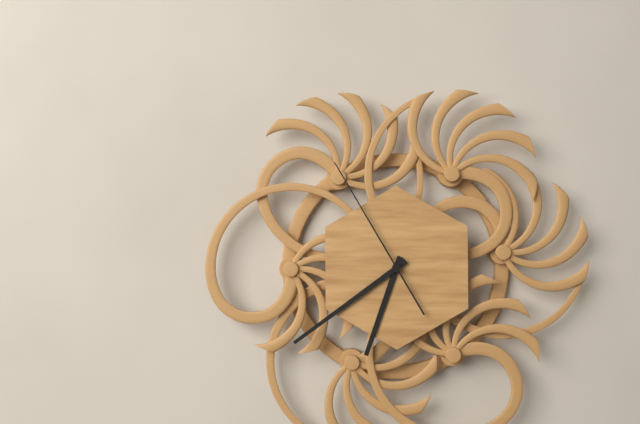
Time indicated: 6:39:55
